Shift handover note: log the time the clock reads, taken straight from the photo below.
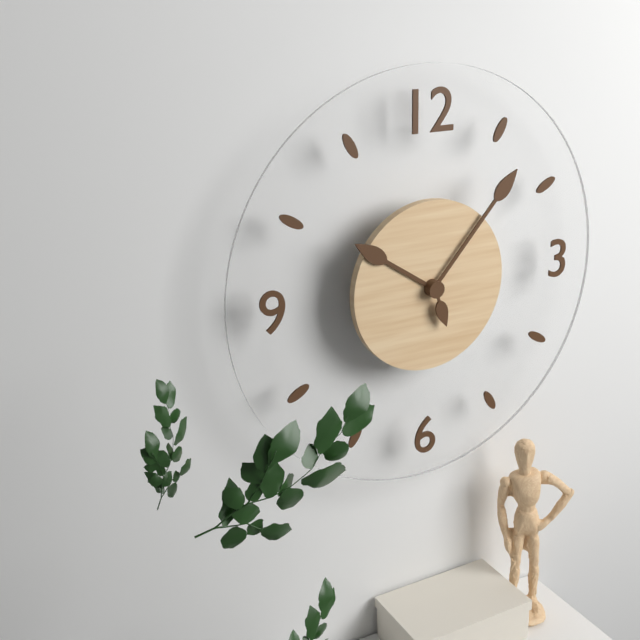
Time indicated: 10:07:27
